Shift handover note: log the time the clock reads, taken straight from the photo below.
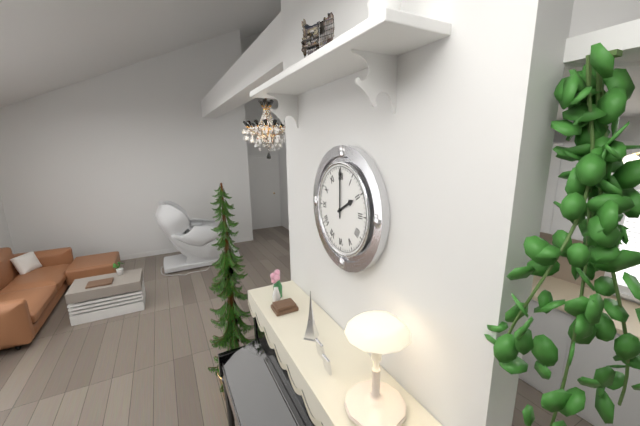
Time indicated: 2:00
